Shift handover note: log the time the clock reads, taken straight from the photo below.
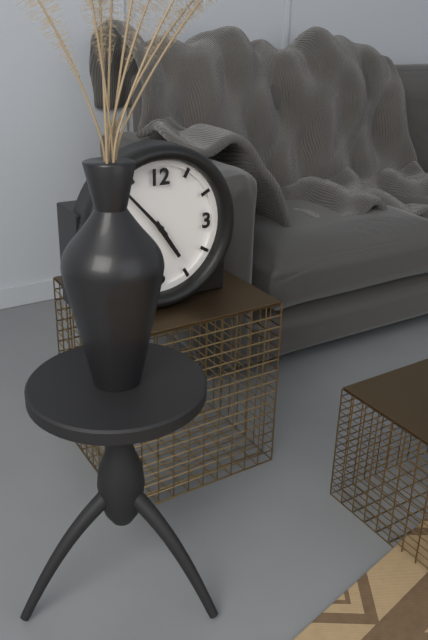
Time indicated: 4:53
